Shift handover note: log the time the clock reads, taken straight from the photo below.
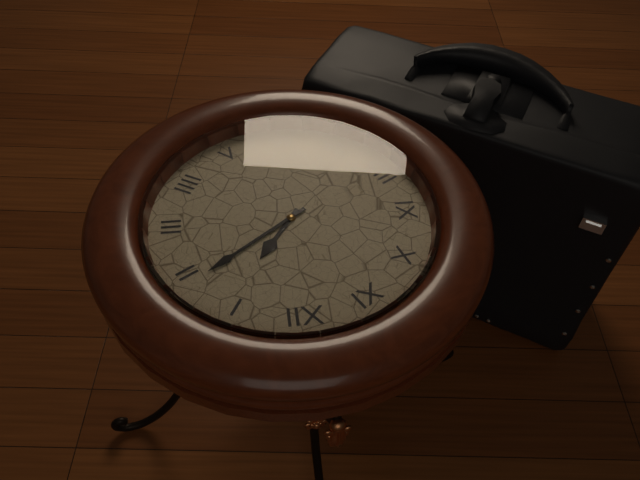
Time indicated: 1:09
